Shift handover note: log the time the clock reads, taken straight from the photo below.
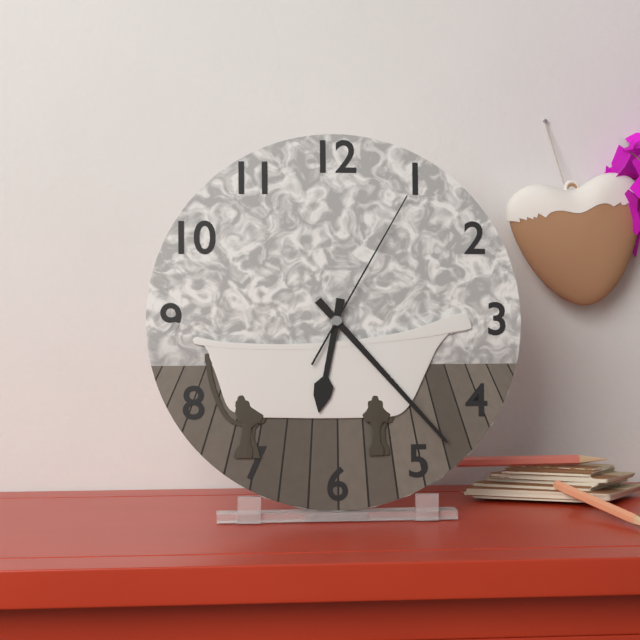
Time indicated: 6:23:05
